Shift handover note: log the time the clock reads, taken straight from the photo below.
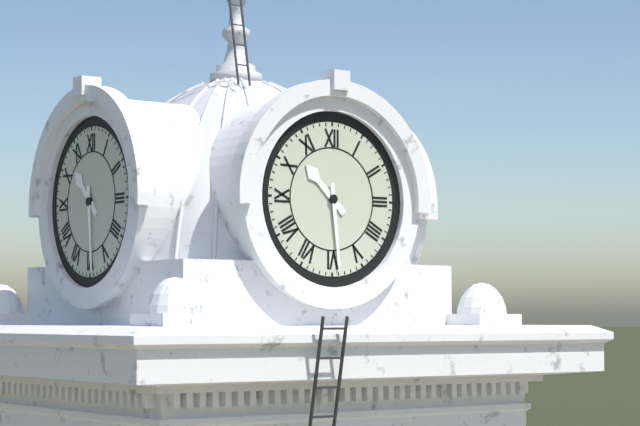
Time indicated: 10:29
